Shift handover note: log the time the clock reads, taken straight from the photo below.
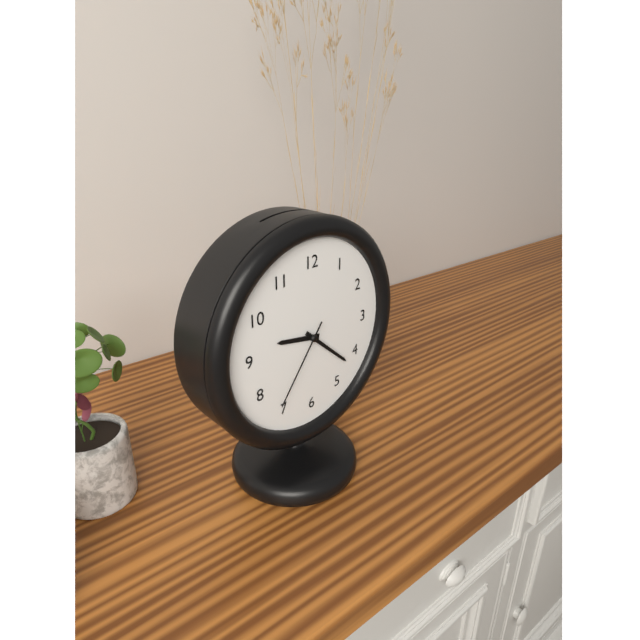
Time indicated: 9:22:36
